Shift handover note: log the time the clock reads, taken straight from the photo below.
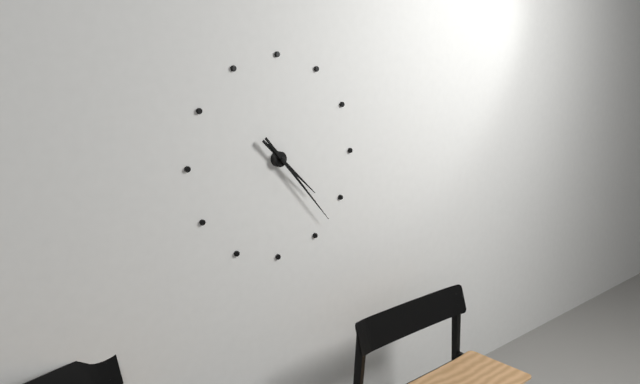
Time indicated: 4:23
